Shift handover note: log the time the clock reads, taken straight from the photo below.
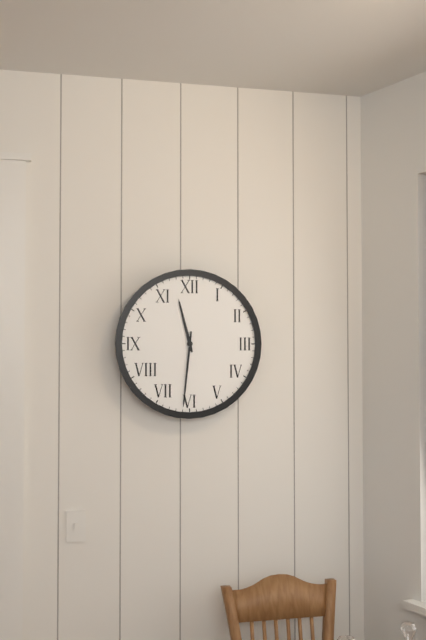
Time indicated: 11:31
